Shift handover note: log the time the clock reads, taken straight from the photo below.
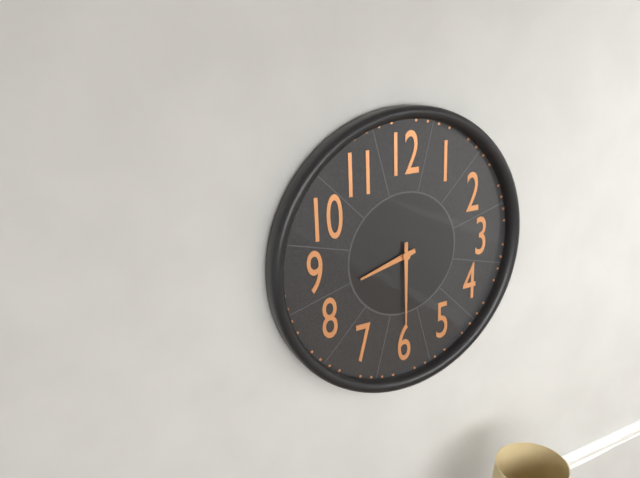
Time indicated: 8:30
